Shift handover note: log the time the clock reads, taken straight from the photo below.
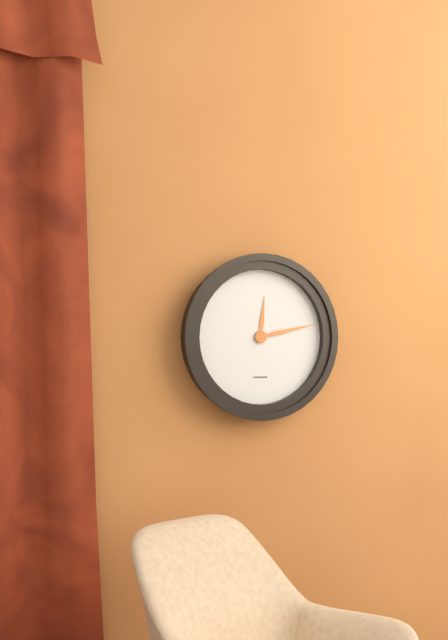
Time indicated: 12:13
